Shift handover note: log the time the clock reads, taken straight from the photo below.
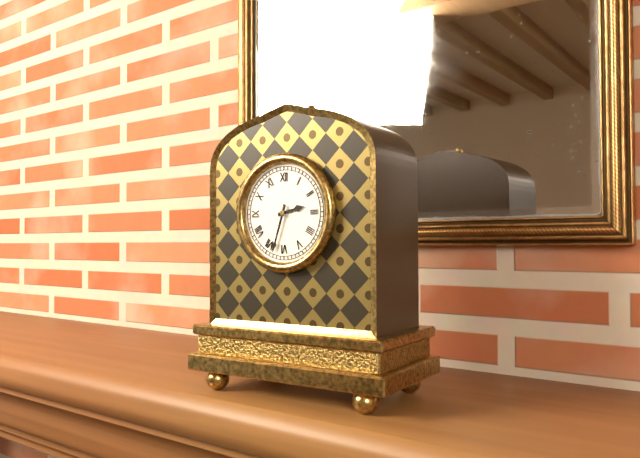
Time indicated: 2:33
